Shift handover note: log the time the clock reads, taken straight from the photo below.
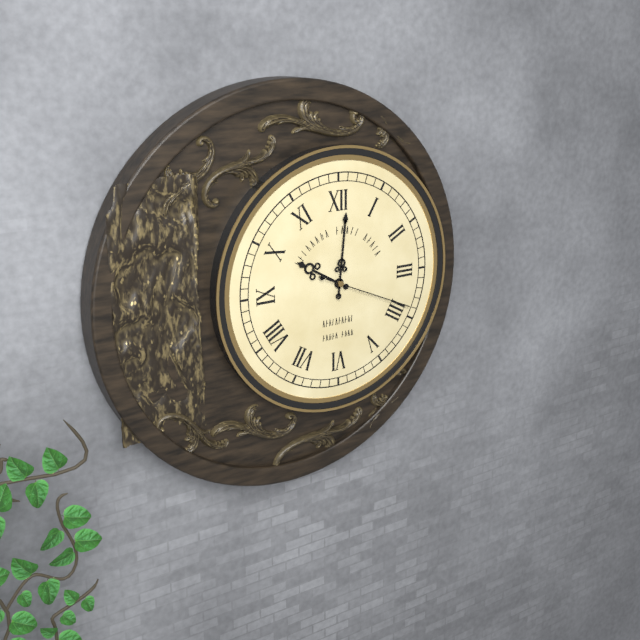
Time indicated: 10:01:19
